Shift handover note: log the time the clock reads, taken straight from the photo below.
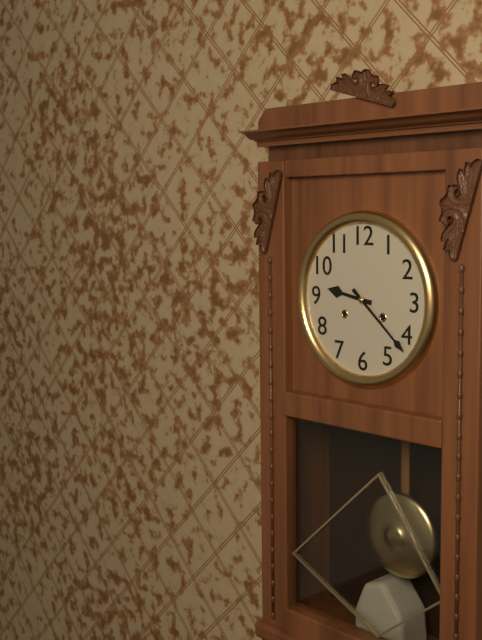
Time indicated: 9:22
